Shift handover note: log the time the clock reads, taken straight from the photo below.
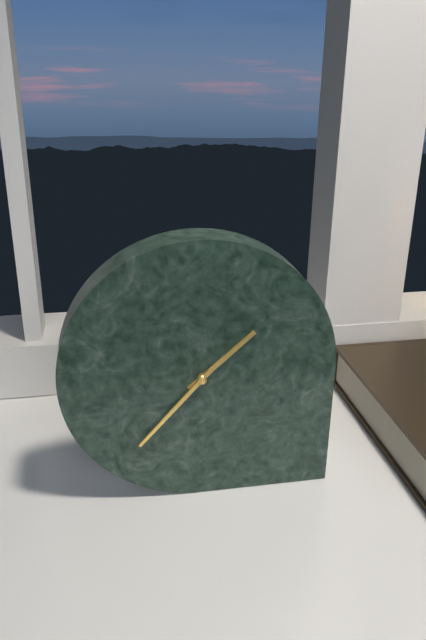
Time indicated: 1:37
